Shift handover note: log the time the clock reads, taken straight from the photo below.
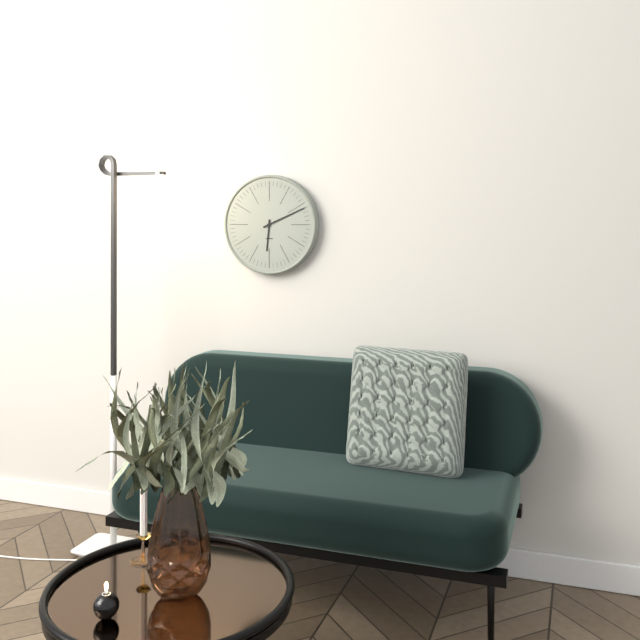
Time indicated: 6:11
